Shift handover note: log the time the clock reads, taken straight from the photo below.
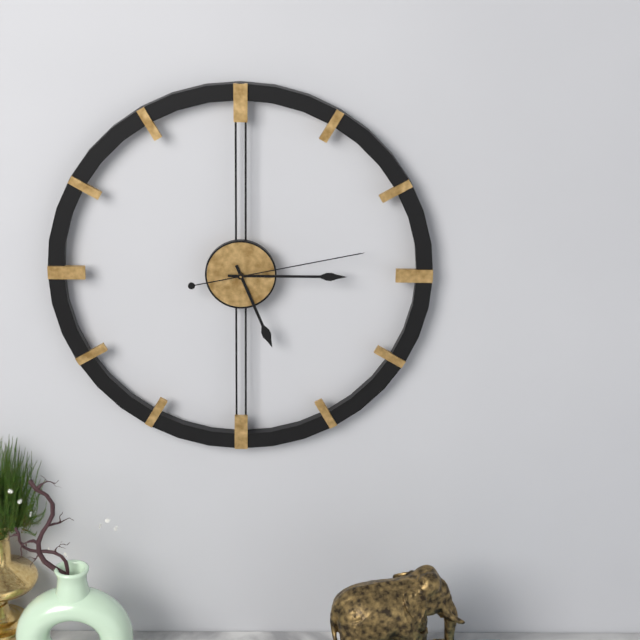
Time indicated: 5:15:13
